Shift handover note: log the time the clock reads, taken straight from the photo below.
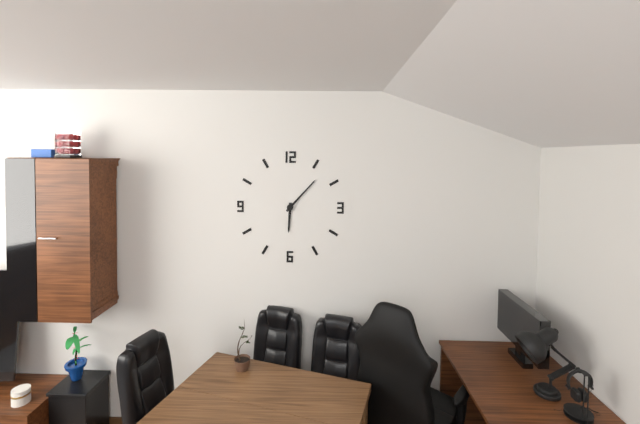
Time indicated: 6:07
